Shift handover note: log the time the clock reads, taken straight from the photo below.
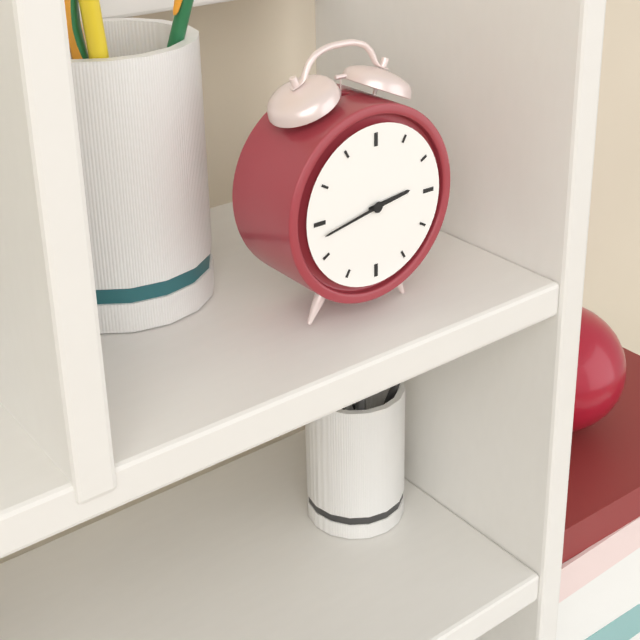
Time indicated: 2:43
